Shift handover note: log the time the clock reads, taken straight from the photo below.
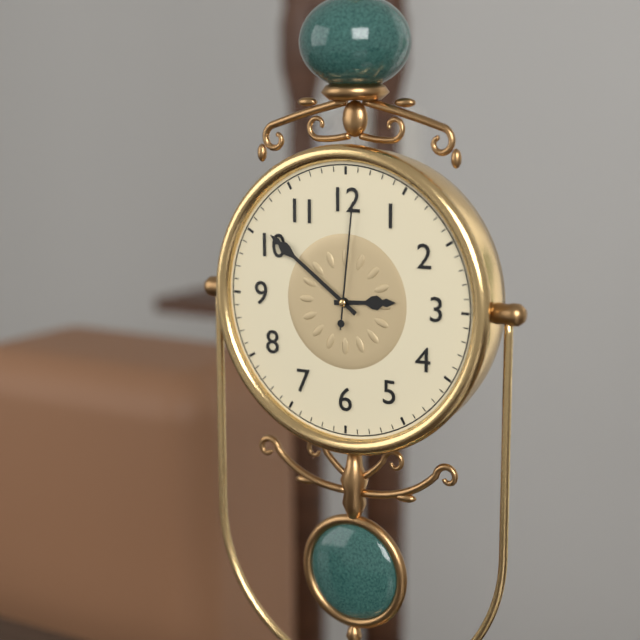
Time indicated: 2:51:01
